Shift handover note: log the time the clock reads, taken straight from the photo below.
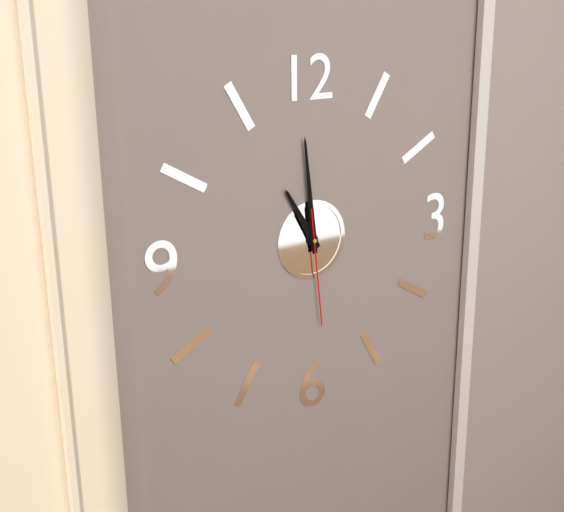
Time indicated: 10:59:29
